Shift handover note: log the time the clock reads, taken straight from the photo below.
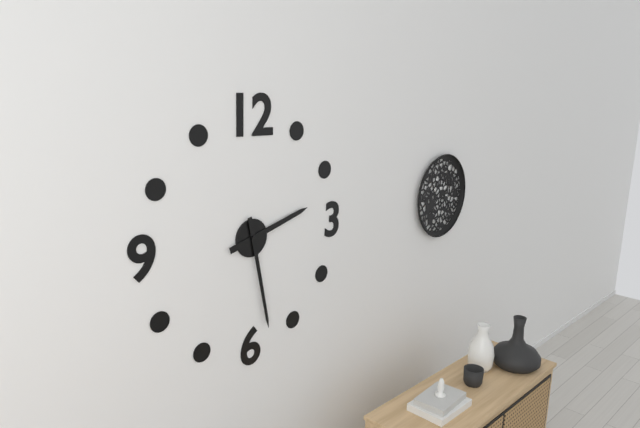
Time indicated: 2:28
